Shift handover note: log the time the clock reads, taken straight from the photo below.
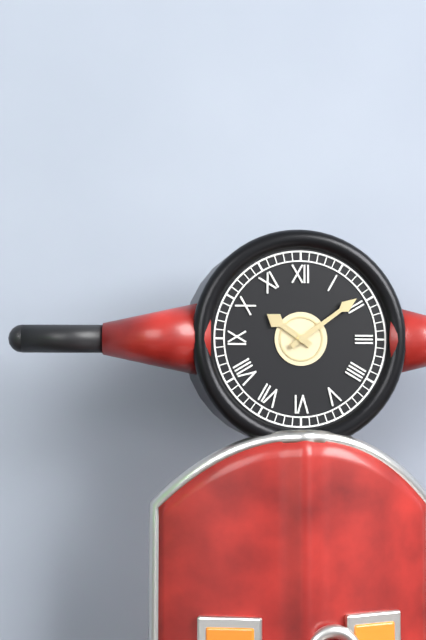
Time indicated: 10:09
